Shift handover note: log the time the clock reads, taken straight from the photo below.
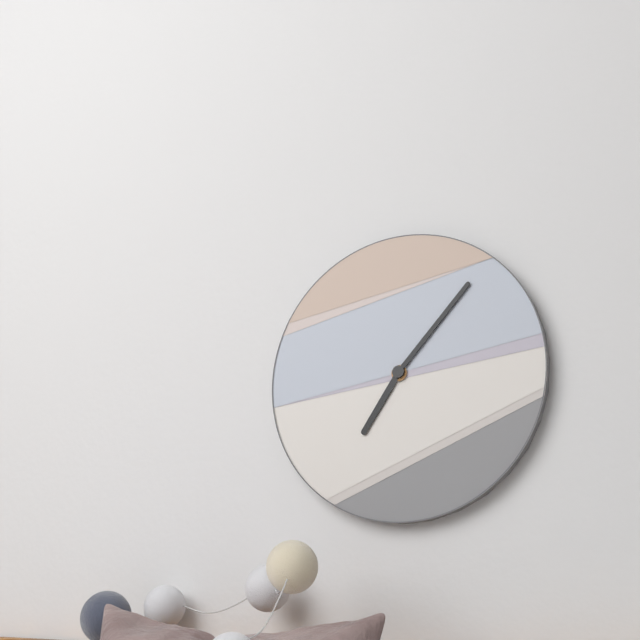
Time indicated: 7:07
